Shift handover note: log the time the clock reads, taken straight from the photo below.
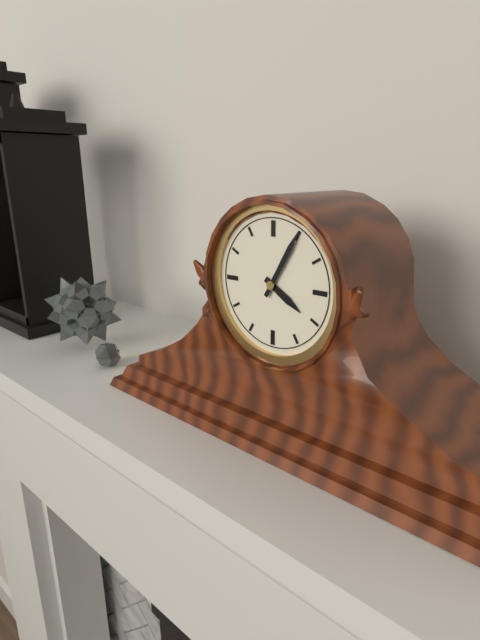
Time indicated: 4:05
